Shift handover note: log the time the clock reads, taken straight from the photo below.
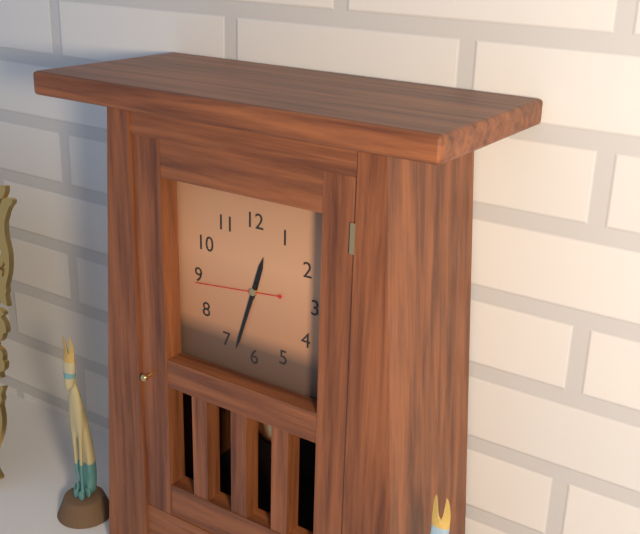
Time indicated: 12:33:44
